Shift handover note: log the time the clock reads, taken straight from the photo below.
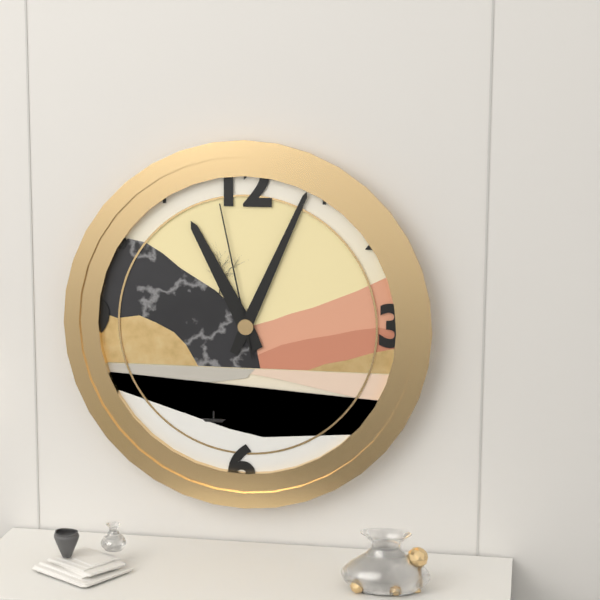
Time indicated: 11:04:58
